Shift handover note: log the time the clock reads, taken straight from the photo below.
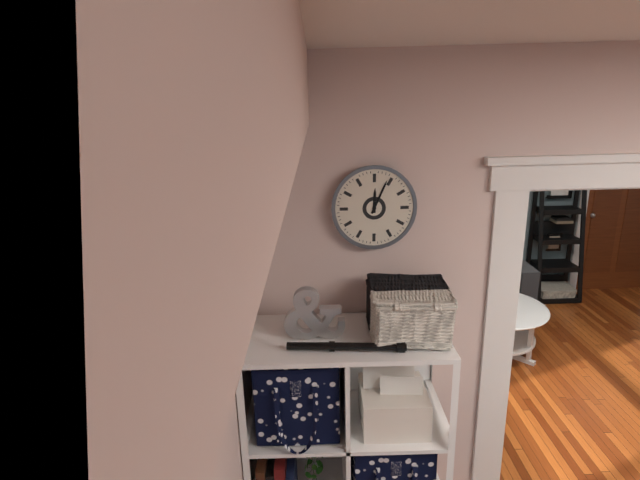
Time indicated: 12:04
